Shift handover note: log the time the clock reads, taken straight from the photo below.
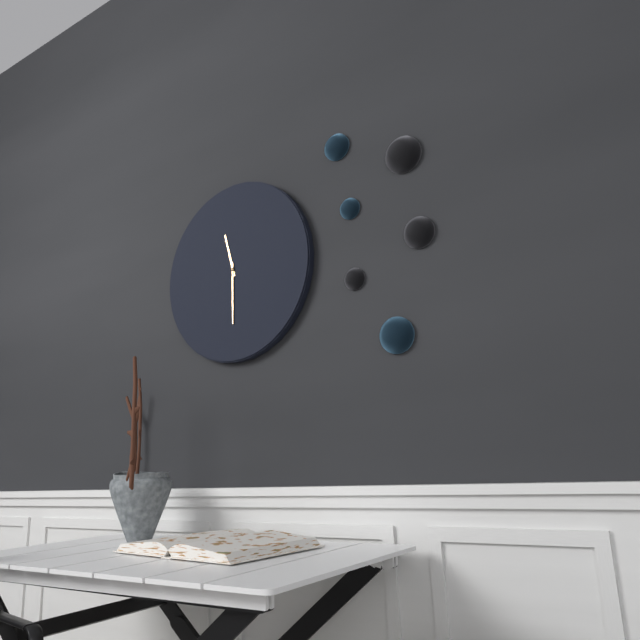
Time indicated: 11:30
